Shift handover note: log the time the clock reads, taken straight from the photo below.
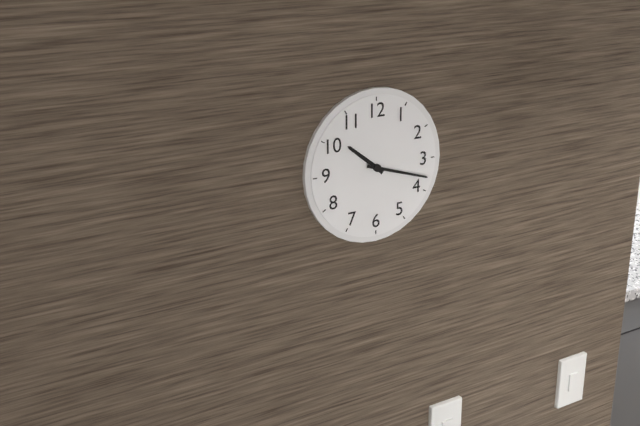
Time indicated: 10:18
